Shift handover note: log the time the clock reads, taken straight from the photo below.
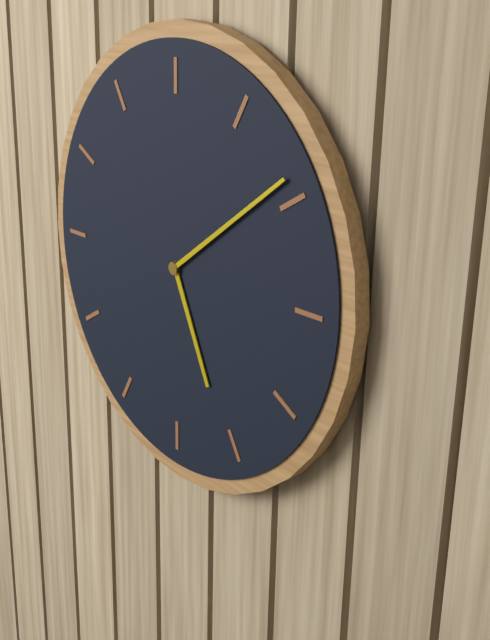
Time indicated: 5:09
